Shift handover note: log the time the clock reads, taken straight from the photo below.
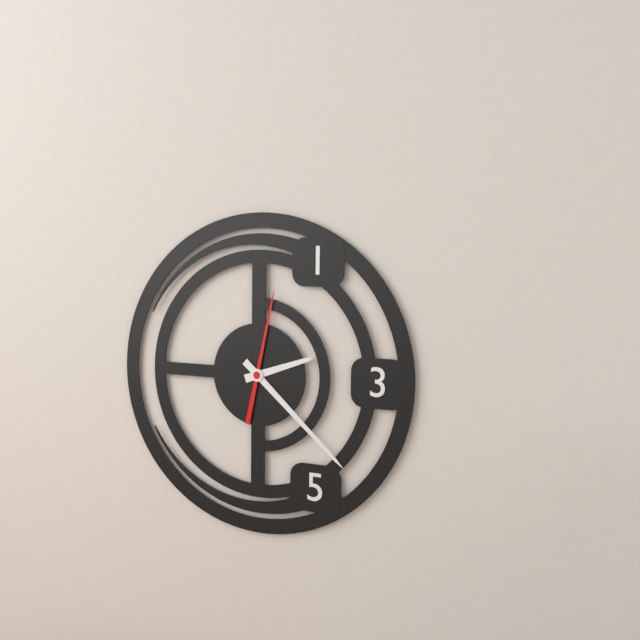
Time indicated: 2:22:02
